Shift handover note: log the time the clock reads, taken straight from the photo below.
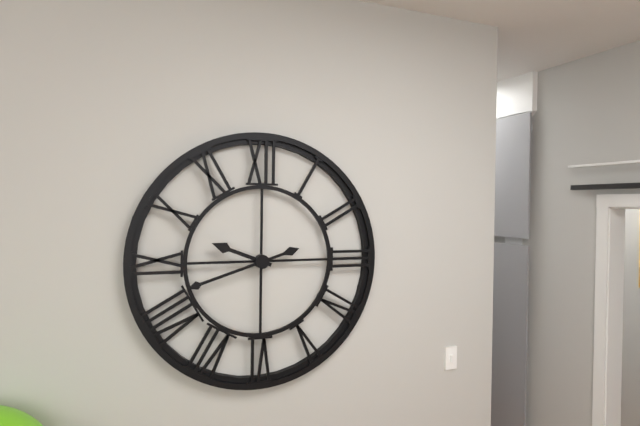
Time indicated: 9:42
